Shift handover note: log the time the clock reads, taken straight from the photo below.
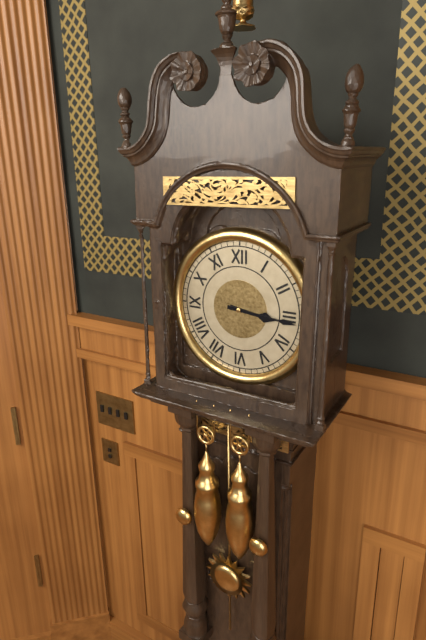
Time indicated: 3:16
